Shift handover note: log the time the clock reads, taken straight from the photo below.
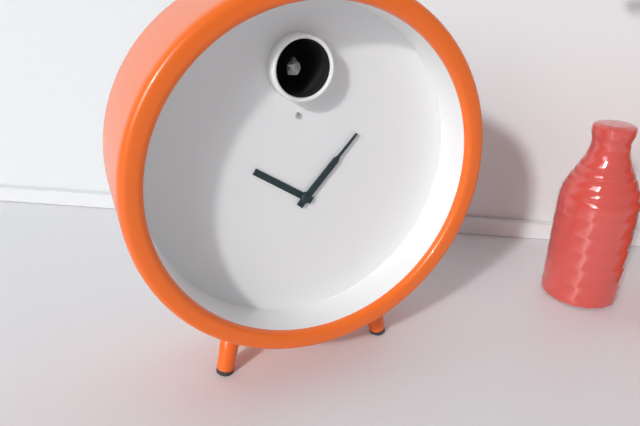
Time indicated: 10:07
